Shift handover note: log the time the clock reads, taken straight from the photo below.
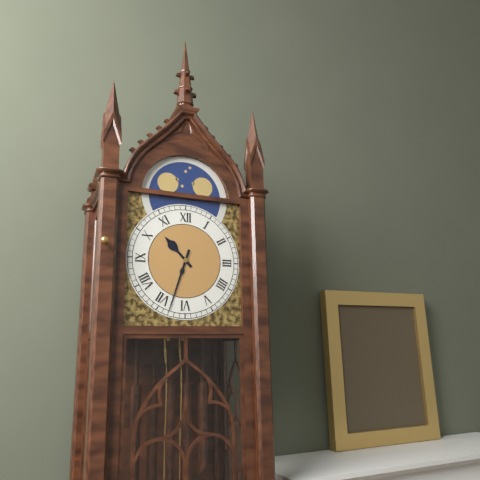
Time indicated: 10:33
